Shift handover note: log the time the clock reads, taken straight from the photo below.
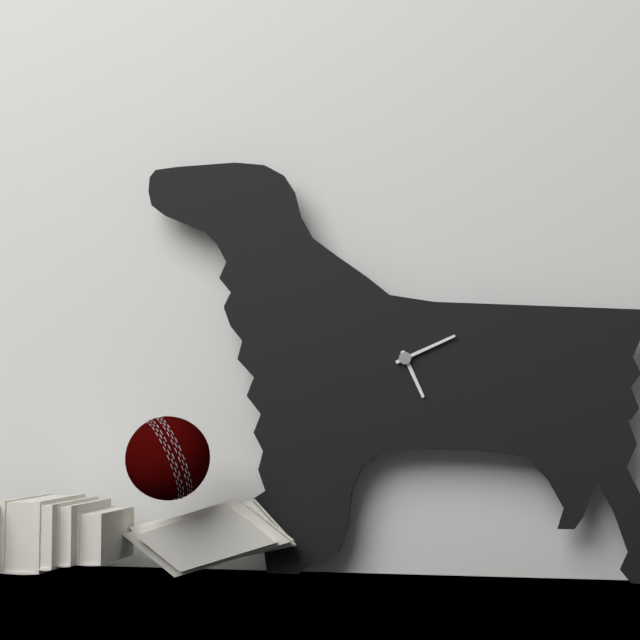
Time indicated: 5:11
